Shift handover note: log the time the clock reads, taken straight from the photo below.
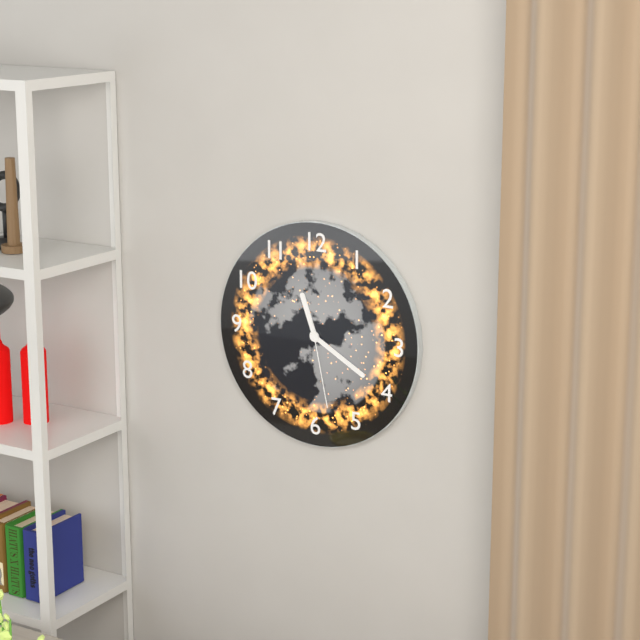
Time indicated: 11:20:28
